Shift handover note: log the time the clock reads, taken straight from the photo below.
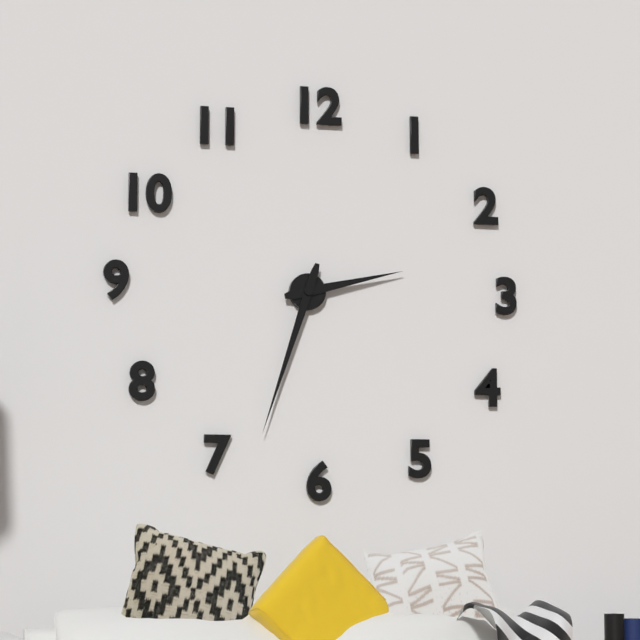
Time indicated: 2:33
